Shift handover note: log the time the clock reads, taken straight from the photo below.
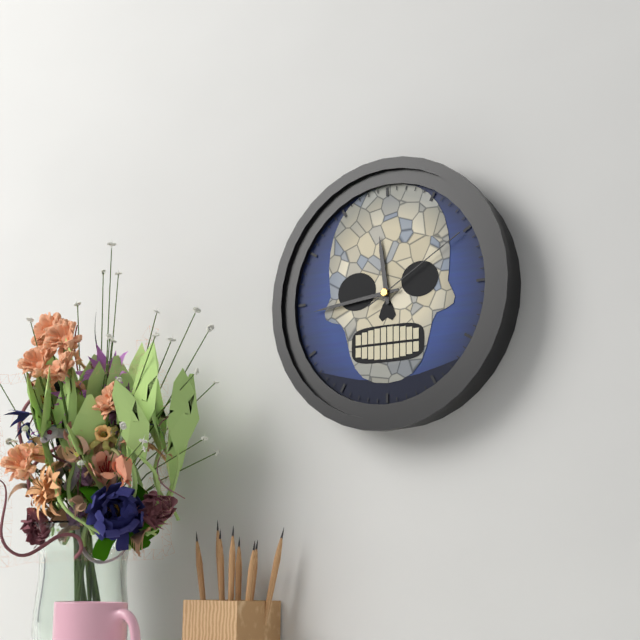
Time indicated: 11:44:10
